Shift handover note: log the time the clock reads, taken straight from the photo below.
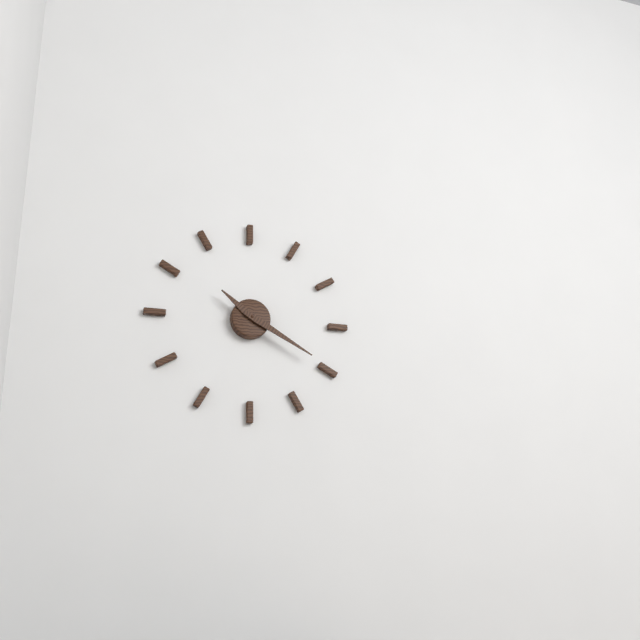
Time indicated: 10:20
